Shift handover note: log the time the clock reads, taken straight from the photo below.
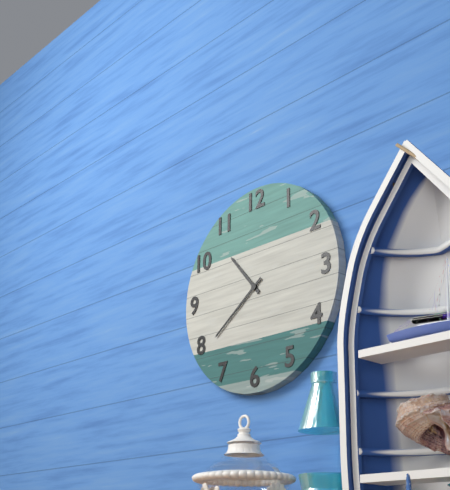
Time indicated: 10:39
